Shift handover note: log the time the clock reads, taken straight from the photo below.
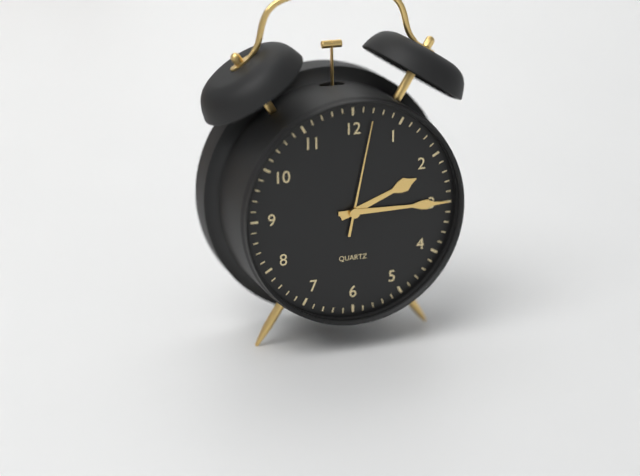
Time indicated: 2:15:02
